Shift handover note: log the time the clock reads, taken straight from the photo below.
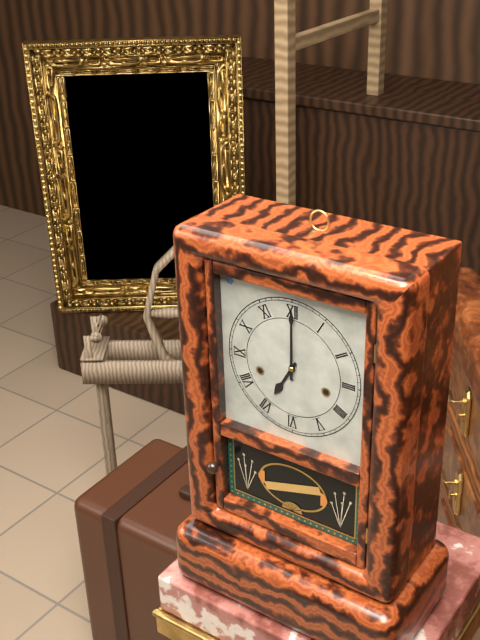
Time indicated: 7:00
